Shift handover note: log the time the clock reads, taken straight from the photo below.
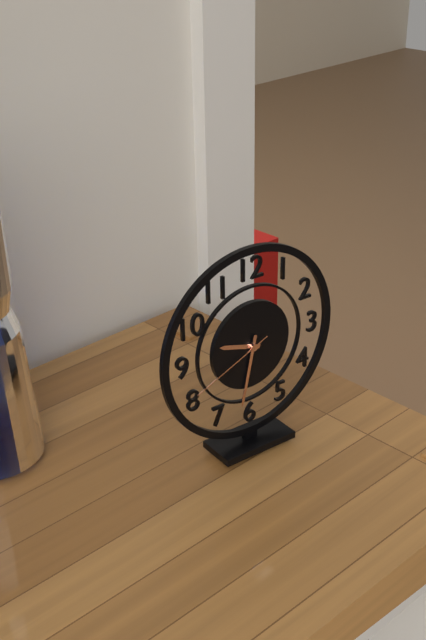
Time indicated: 9:32:41
